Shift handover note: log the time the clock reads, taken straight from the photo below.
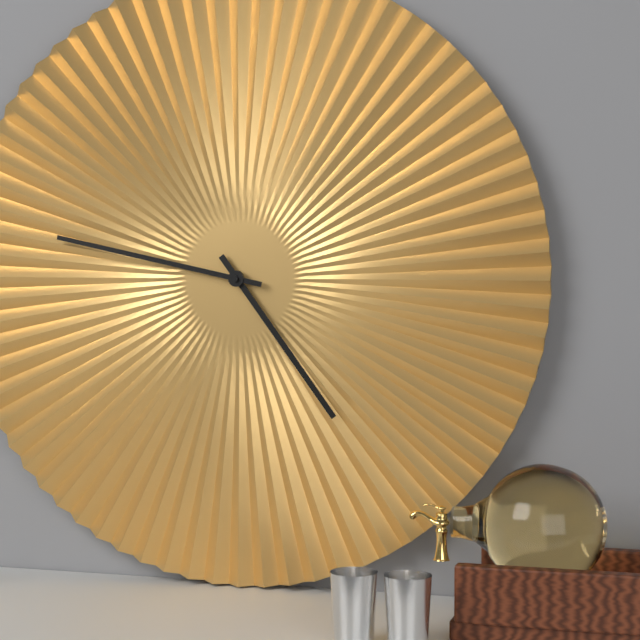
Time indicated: 4:47
